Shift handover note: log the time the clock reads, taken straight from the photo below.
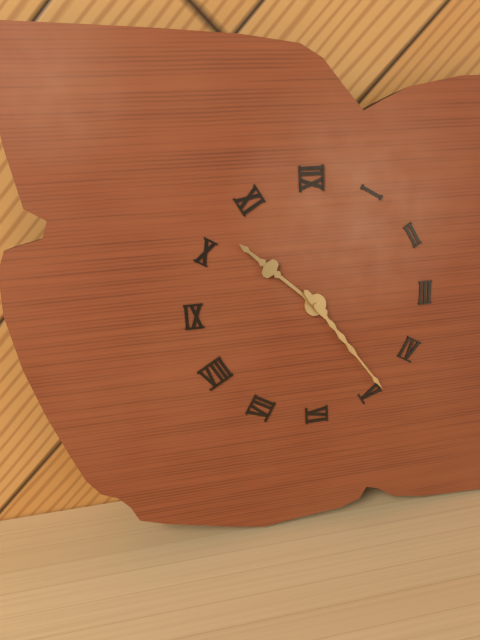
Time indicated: 10:24
